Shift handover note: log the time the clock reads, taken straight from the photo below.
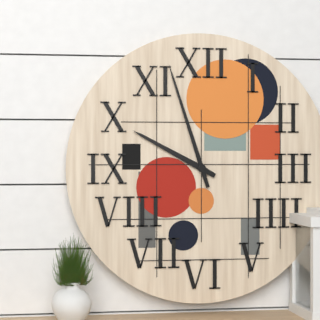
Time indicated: 9:57
